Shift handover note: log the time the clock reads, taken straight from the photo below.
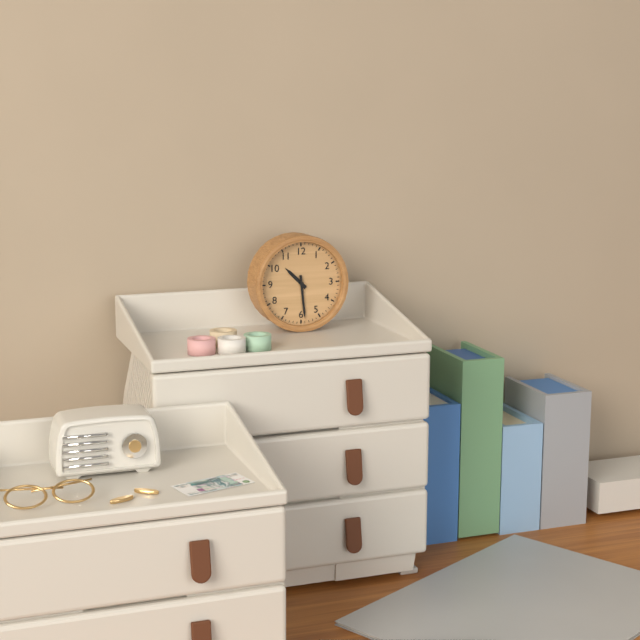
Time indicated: 10:29
